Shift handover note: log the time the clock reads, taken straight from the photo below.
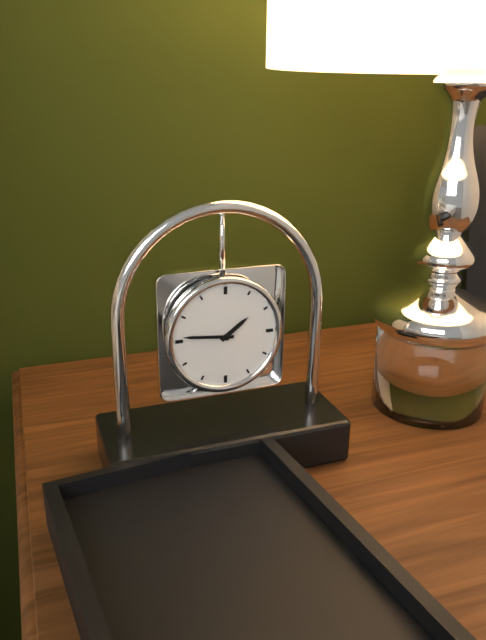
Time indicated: 1:46
